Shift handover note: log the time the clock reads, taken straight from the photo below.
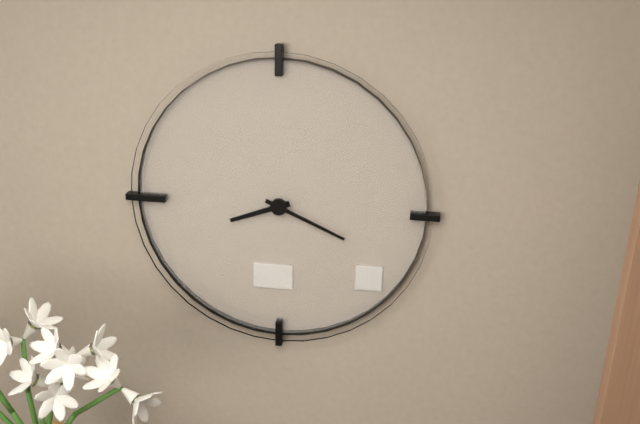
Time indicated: 8:19
